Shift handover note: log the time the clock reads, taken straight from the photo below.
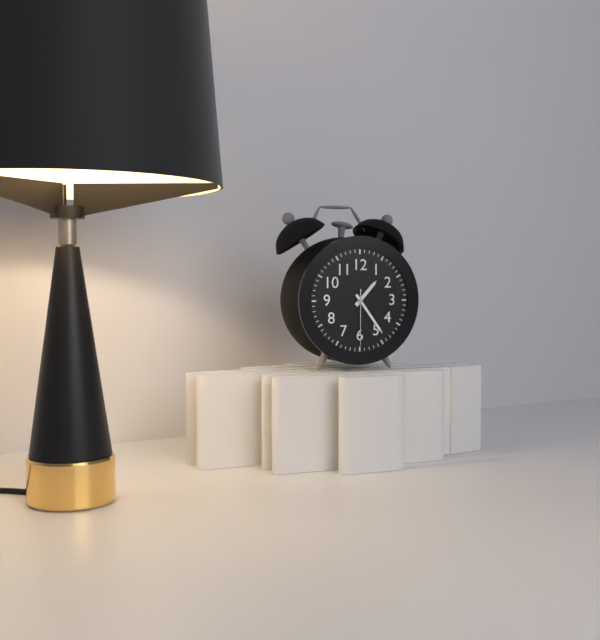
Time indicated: 1:24:30
